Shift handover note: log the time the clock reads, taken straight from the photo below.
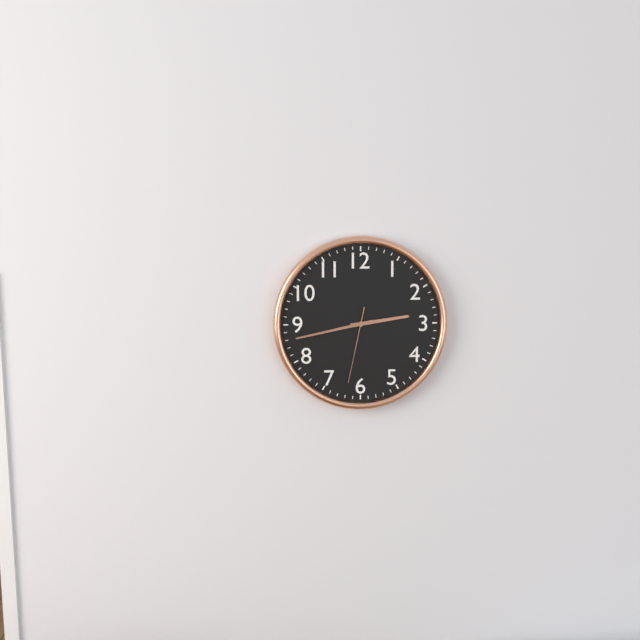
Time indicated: 2:43:32
